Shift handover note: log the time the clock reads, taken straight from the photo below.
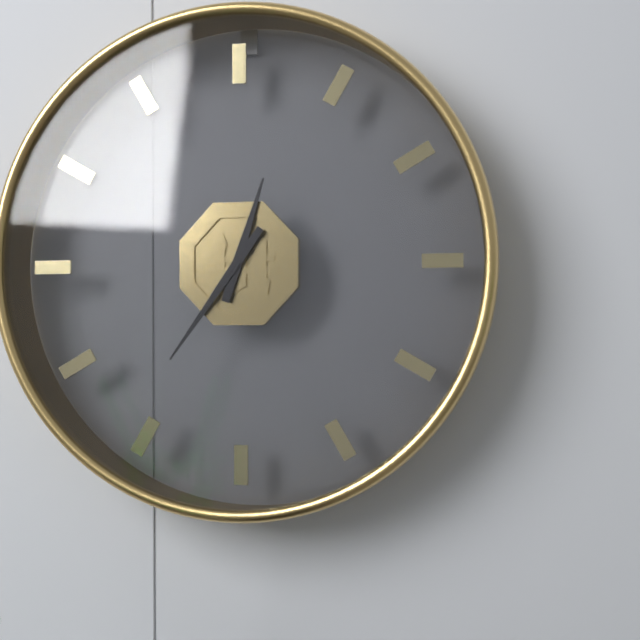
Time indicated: 12:36
